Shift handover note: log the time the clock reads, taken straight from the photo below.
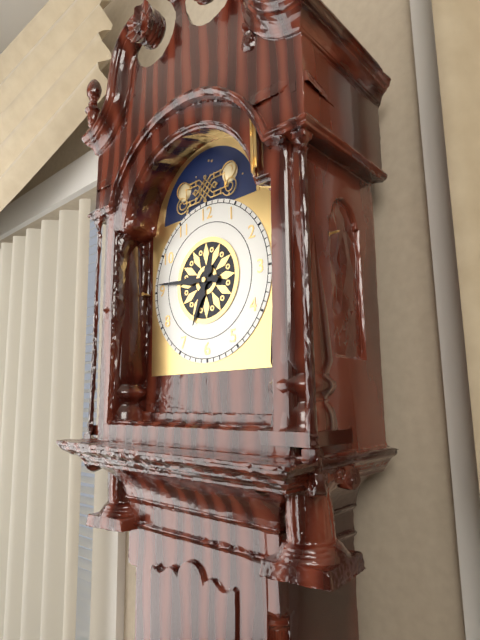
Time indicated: 6:46
